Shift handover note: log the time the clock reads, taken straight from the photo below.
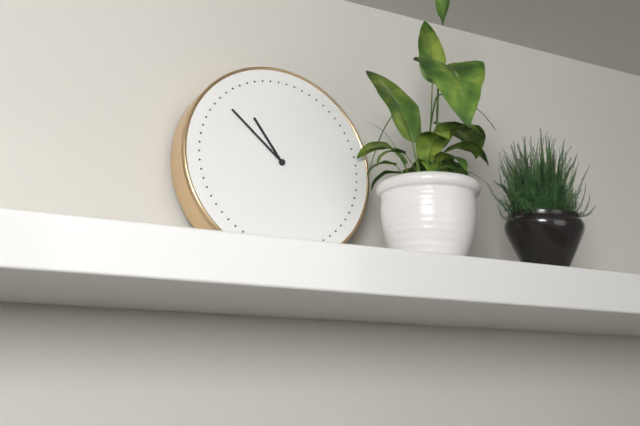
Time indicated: 10:52
